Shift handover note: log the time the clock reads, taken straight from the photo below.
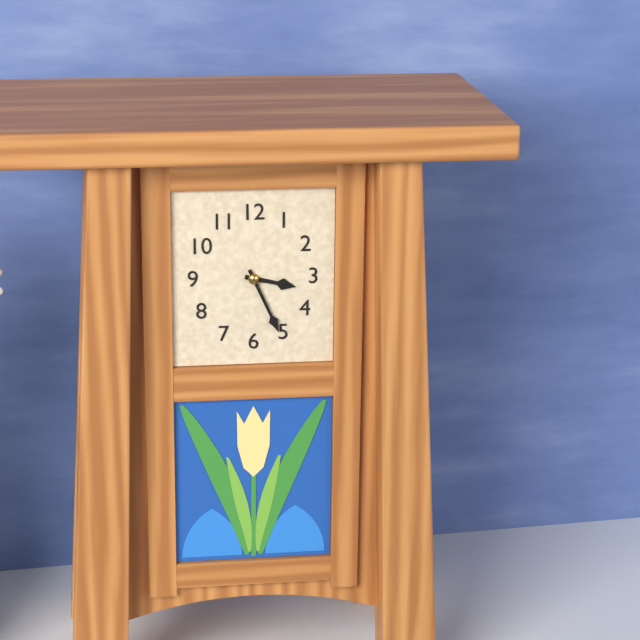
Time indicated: 3:26
